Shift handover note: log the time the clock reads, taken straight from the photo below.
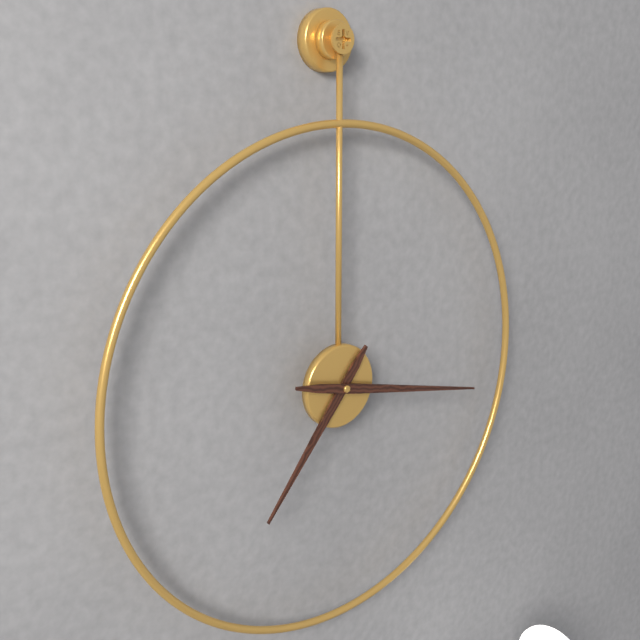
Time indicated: 7:17
